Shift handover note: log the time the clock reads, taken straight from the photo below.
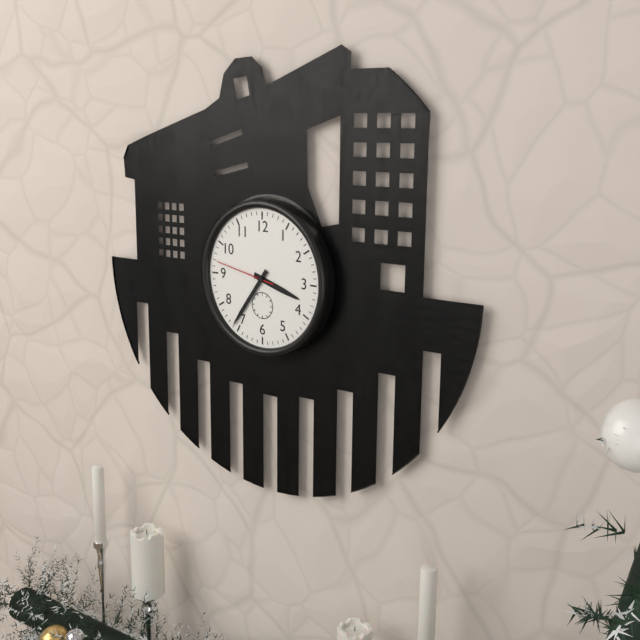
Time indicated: 3:36:47
